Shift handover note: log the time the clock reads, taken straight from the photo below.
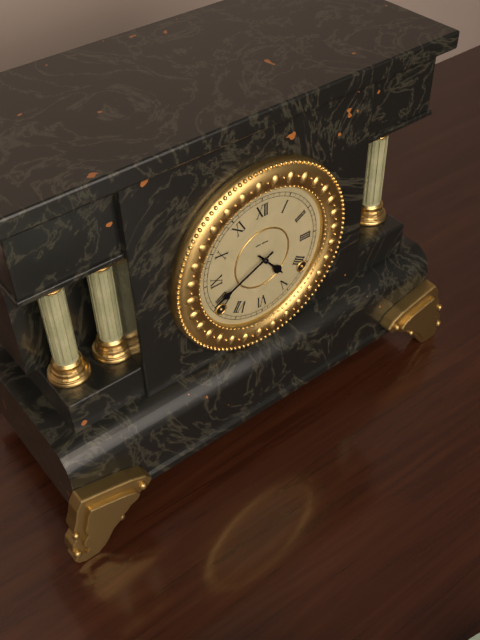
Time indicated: 4:41
